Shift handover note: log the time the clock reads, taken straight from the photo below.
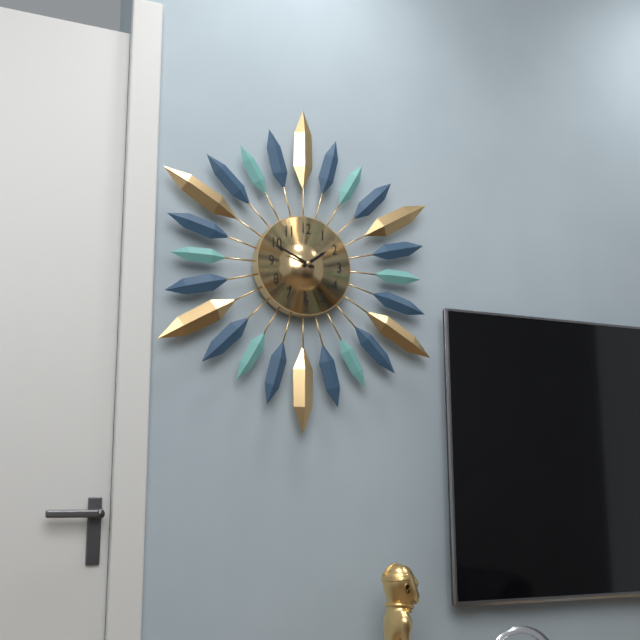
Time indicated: 1:49
